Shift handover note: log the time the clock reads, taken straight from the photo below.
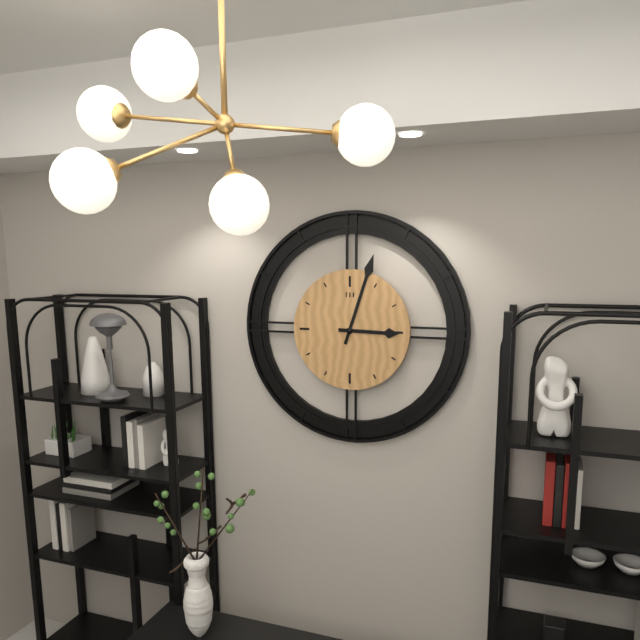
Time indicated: 3:03
